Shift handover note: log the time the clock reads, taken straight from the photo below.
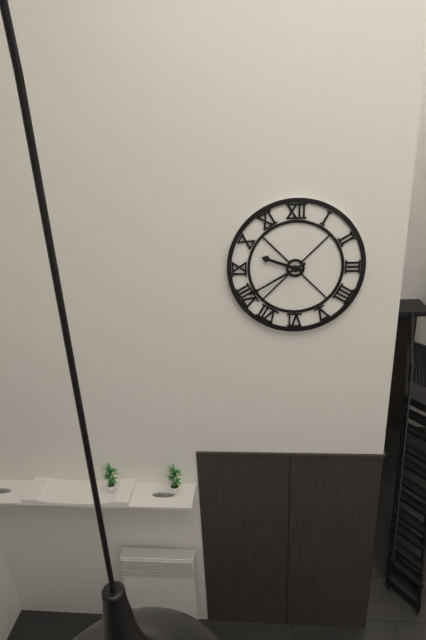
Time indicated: 9:40
